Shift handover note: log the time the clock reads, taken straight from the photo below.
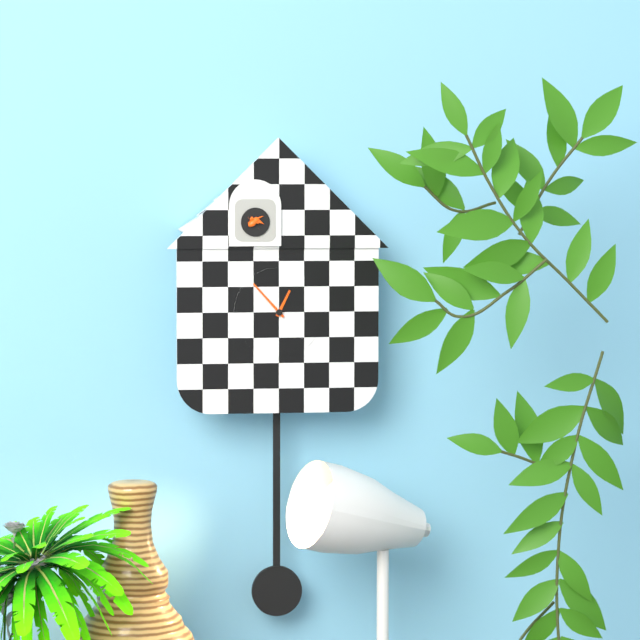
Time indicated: 12:53
